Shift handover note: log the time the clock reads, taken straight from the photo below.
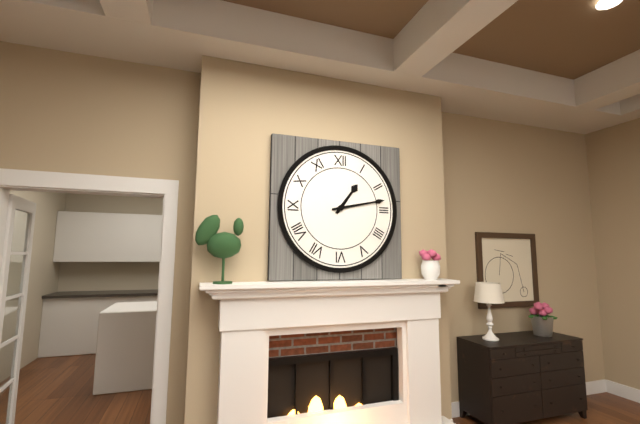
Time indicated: 1:13
